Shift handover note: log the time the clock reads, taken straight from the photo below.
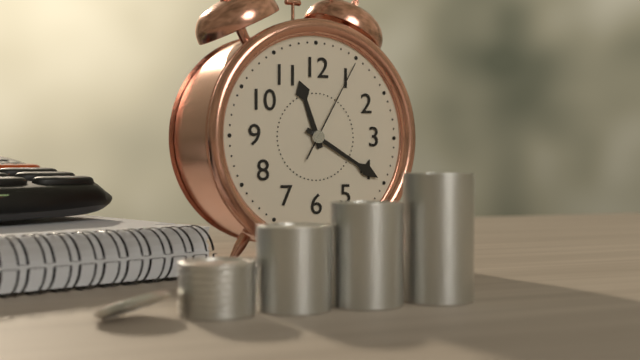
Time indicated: 11:20:05
